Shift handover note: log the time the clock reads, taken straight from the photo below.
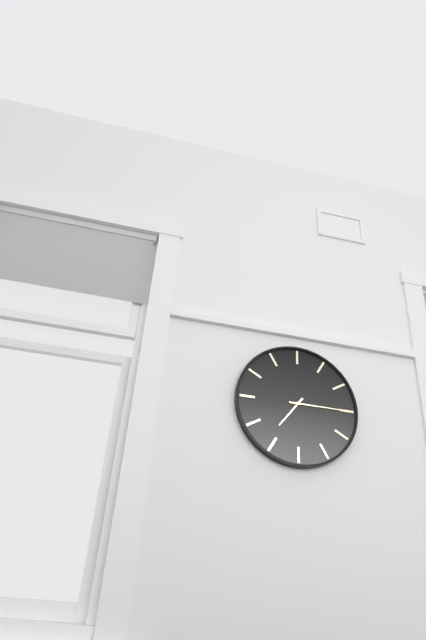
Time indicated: 7:15
